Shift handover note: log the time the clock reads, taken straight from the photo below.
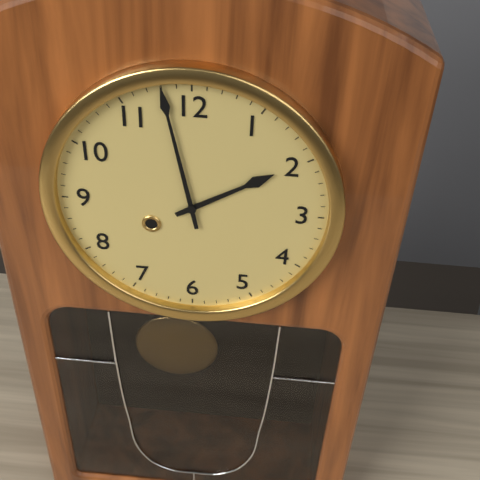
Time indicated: 1:58
